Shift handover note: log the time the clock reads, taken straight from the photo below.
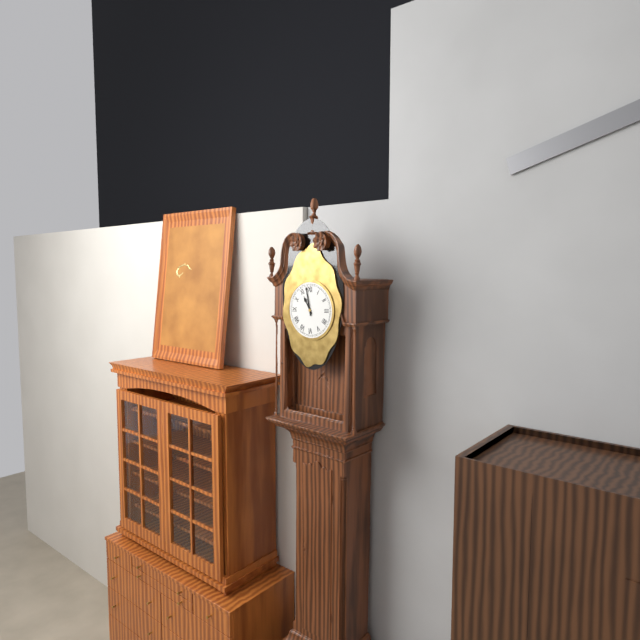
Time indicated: 10:58
